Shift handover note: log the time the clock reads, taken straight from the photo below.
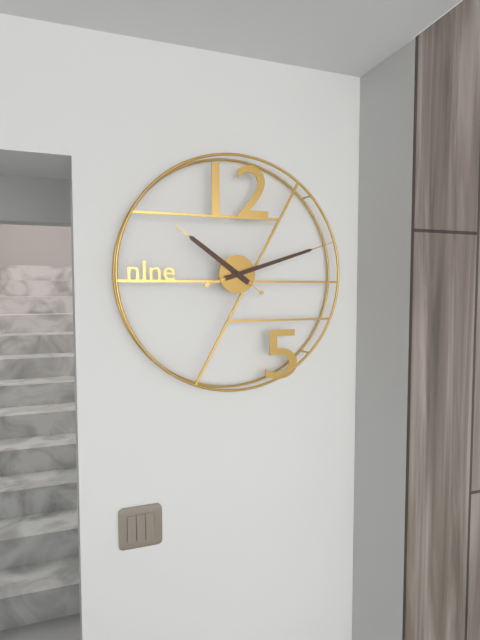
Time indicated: 10:12
